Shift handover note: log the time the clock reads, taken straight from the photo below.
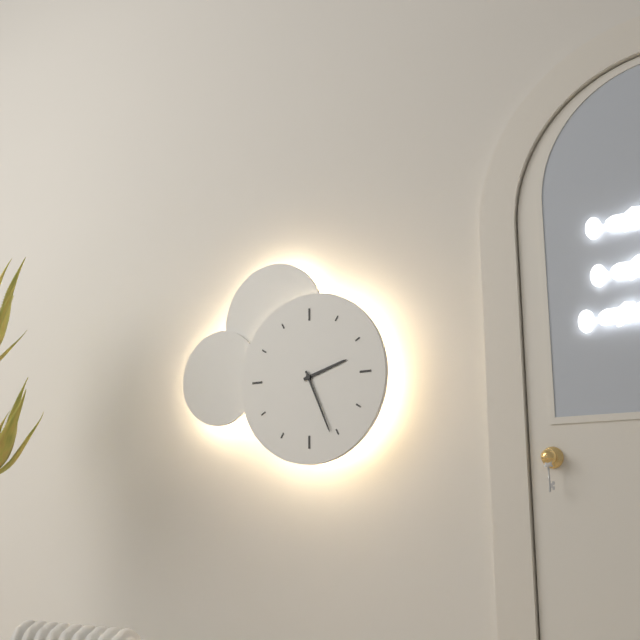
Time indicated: 2:26
